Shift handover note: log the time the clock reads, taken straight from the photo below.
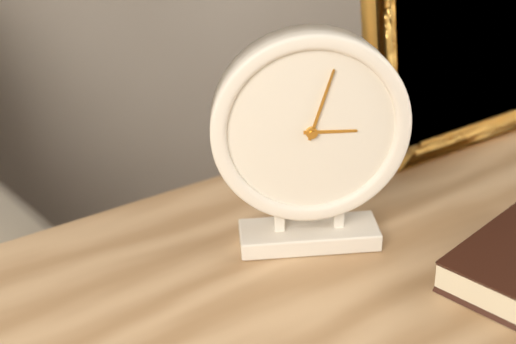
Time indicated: 3:03
